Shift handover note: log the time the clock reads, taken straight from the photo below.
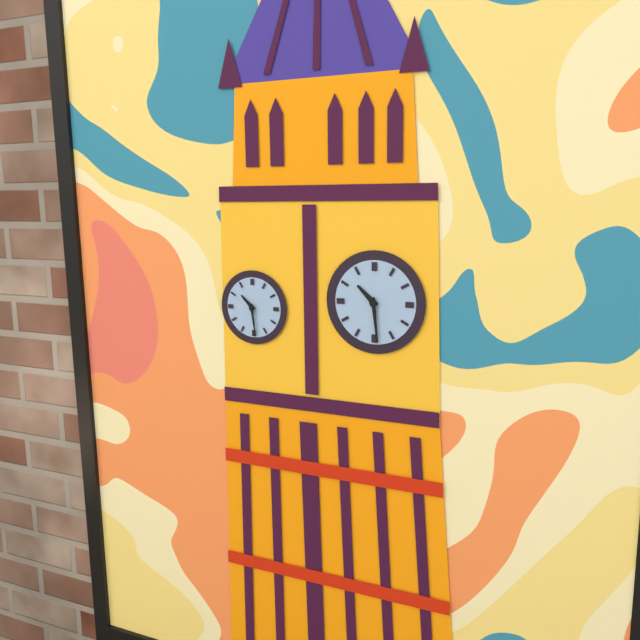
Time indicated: 10:29
